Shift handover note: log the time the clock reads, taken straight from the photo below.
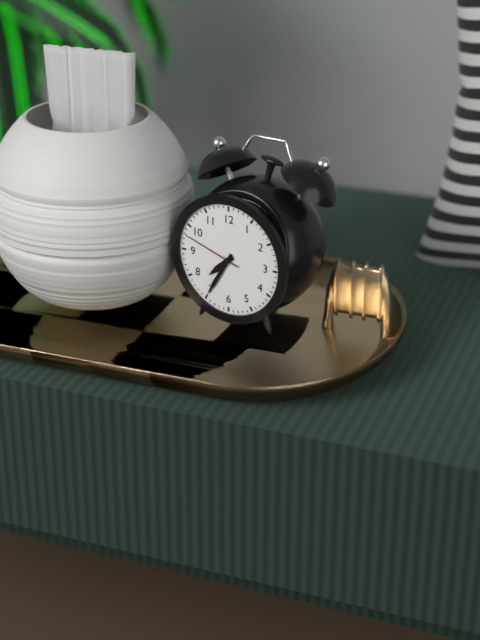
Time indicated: 7:35:48
